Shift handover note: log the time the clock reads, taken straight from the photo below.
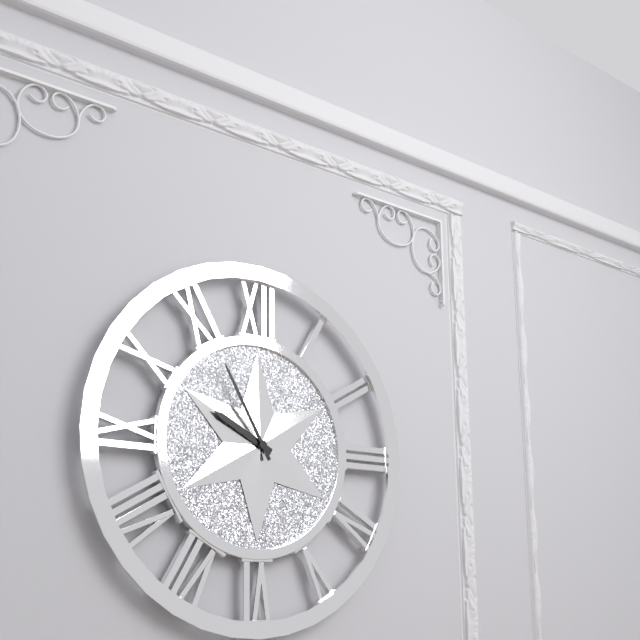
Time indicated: 9:55
